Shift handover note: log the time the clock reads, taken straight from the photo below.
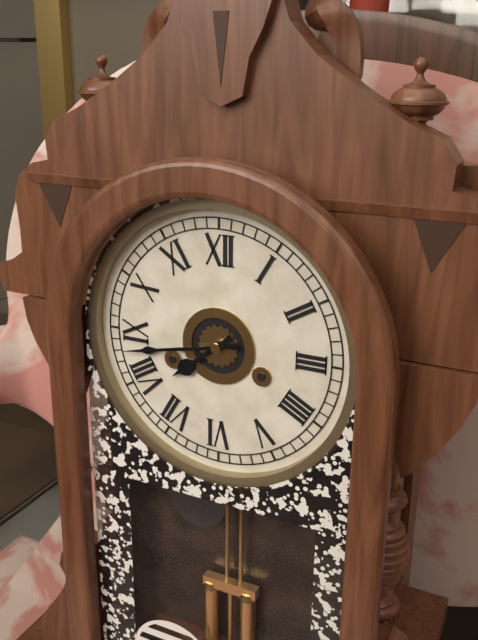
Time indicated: 7:43
